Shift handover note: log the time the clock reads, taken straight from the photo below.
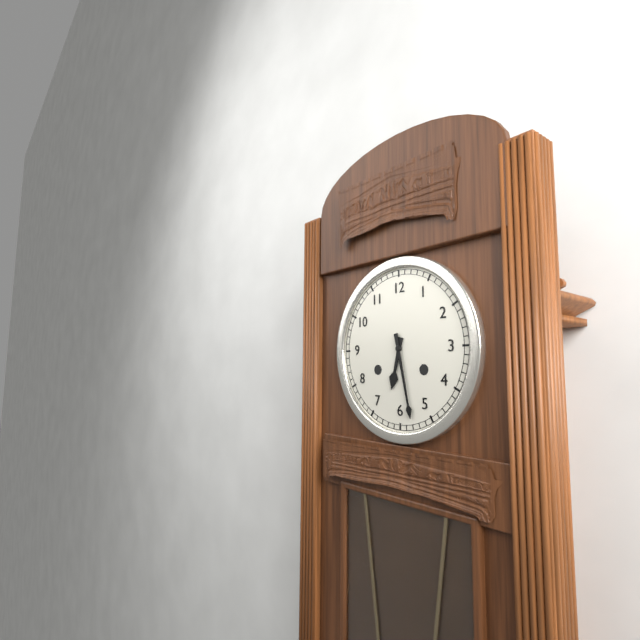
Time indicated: 6:28
